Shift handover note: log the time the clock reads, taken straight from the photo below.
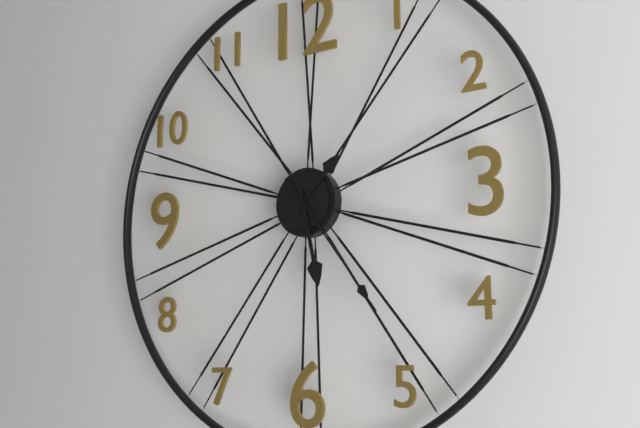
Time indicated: 1:28:24
